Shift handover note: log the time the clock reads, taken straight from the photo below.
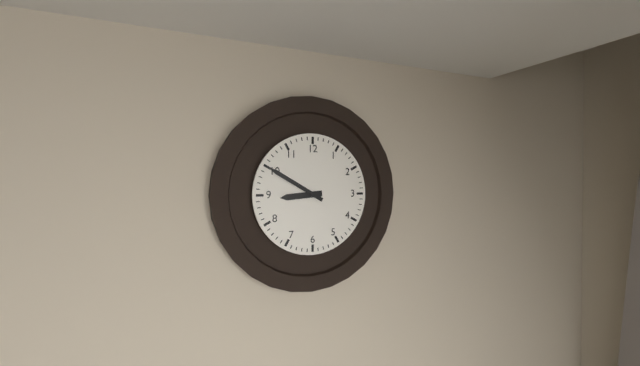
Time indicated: 8:50
